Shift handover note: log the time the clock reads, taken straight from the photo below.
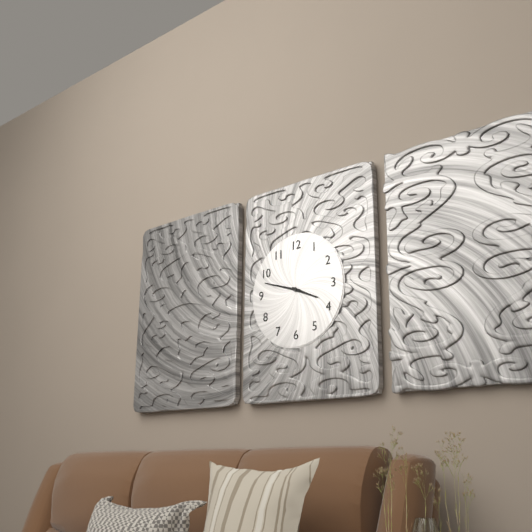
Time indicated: 3:48
